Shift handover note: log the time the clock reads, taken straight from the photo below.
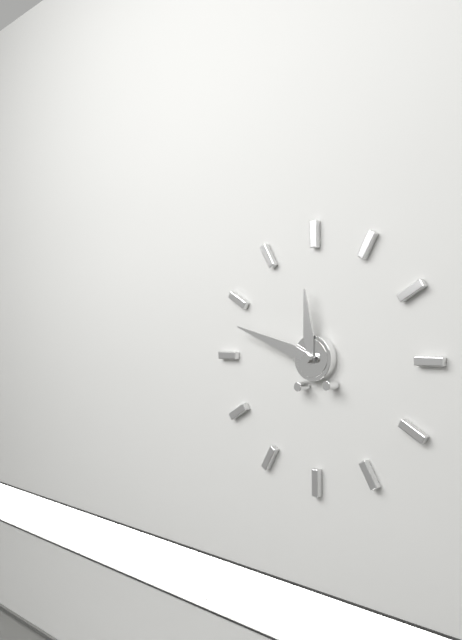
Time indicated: 11:48
